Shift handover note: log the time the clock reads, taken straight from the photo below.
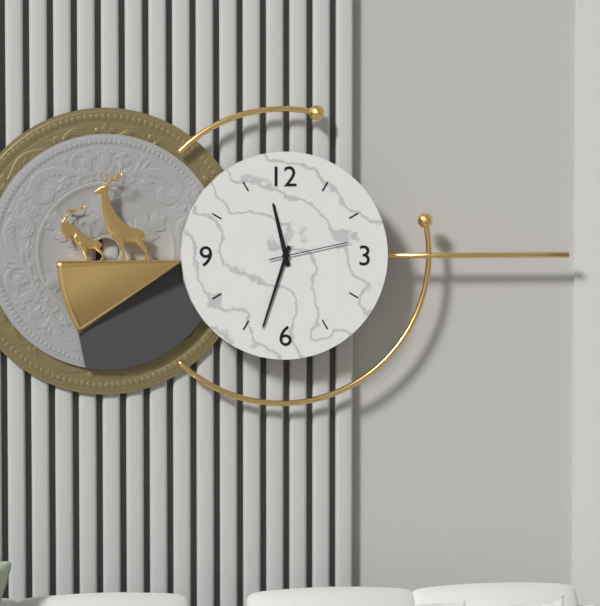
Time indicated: 11:33:13
